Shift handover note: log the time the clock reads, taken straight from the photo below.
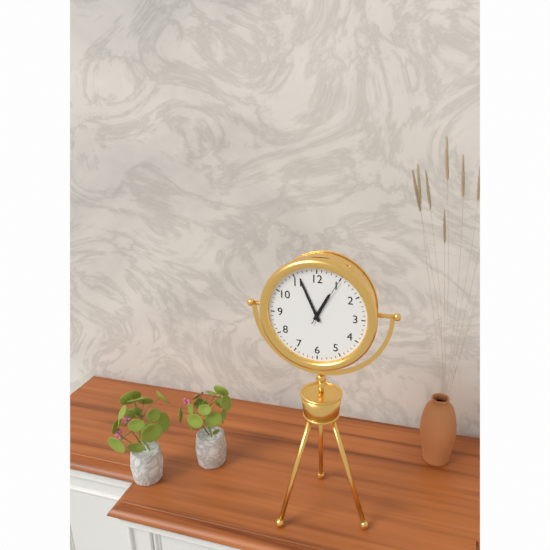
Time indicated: 12:56:05
